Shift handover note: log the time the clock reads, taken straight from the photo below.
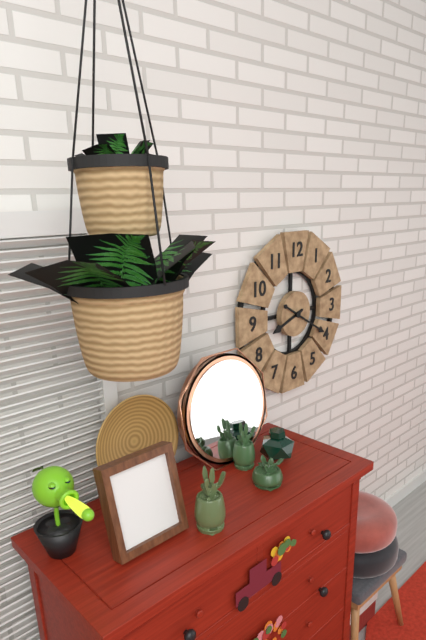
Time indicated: 8:20
